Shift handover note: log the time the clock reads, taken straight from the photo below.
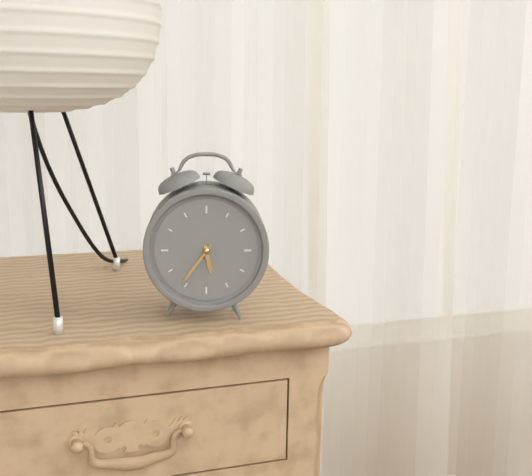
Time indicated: 5:36
